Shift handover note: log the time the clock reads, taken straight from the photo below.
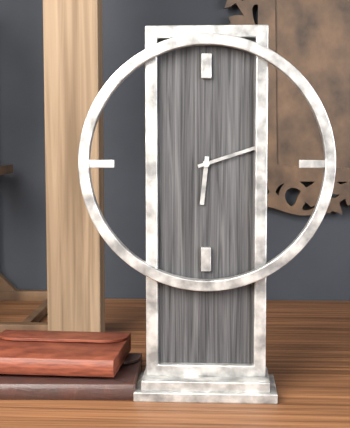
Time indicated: 6:12
